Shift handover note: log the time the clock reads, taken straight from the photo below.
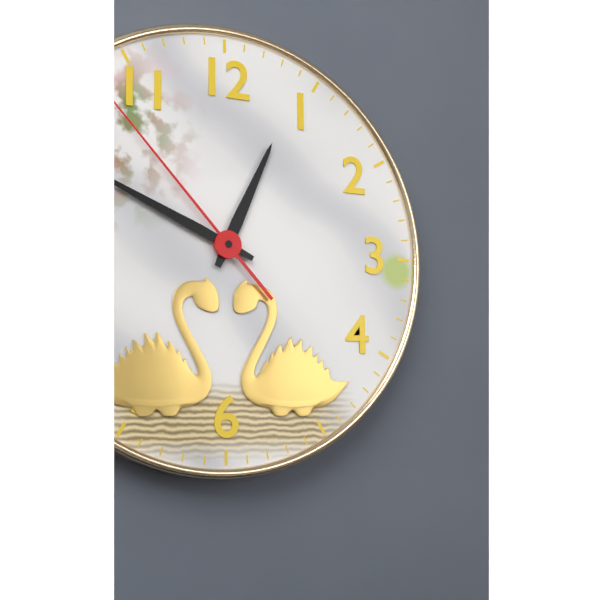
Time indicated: 12:49:53
